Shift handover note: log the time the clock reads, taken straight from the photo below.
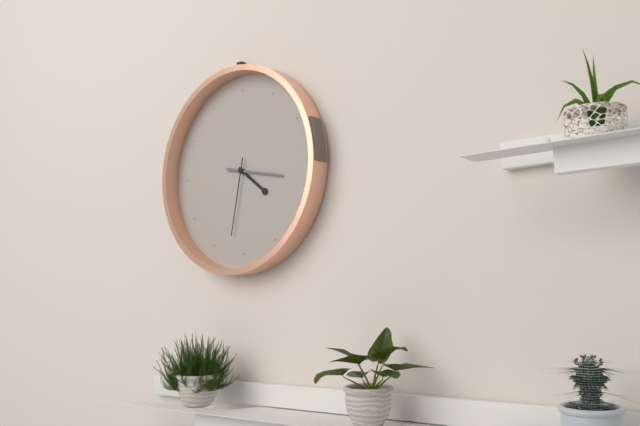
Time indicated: 4:17:32
